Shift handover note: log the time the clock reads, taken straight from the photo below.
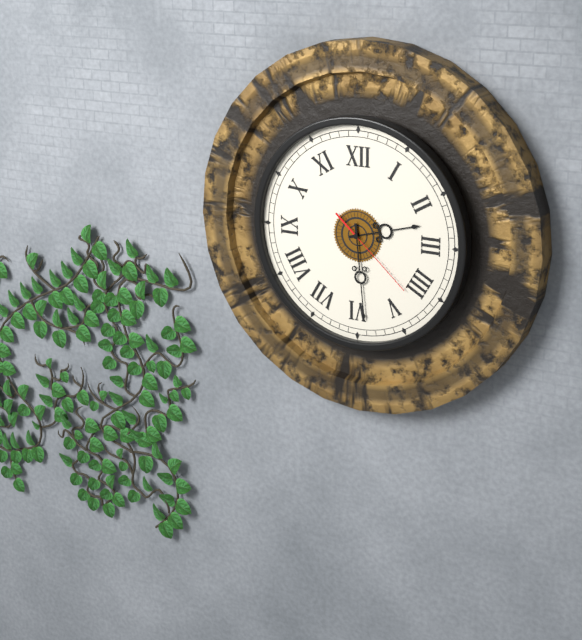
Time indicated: 2:29:22
